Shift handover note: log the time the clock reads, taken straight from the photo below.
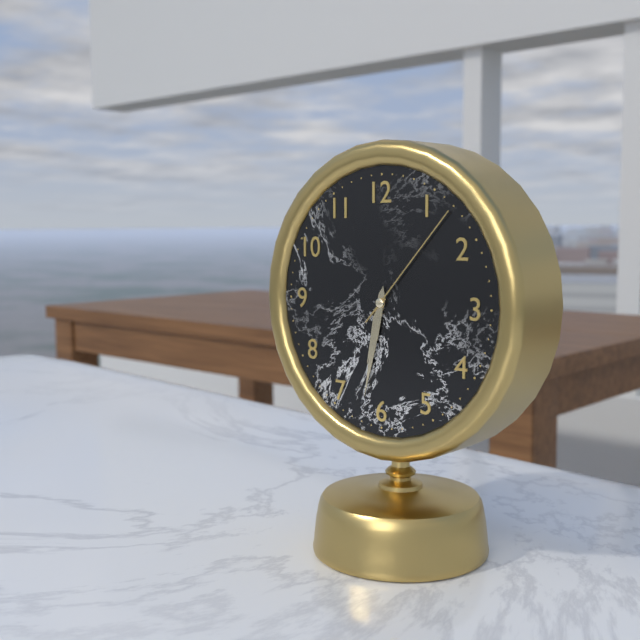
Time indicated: 6:32:07
